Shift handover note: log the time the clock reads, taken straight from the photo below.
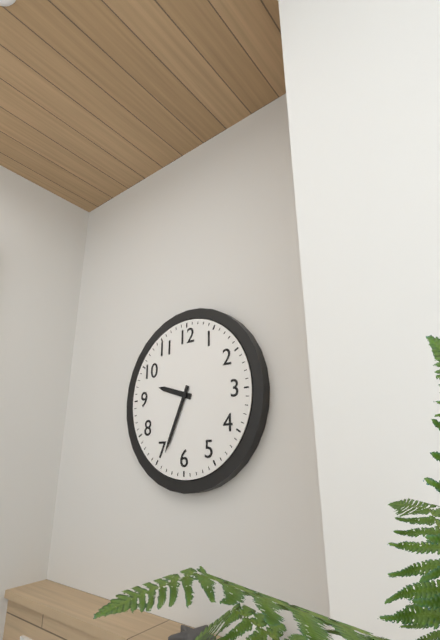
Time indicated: 9:34
